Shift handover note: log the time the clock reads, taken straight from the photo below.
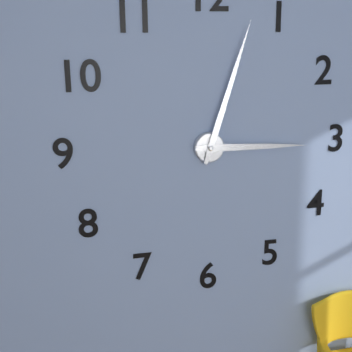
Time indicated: 3:03
